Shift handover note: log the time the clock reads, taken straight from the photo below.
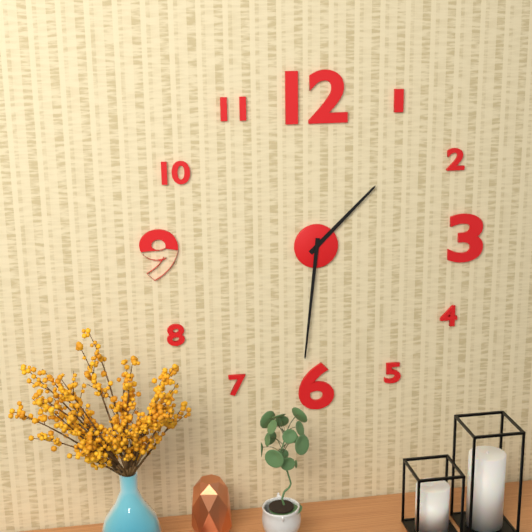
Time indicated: 1:31
